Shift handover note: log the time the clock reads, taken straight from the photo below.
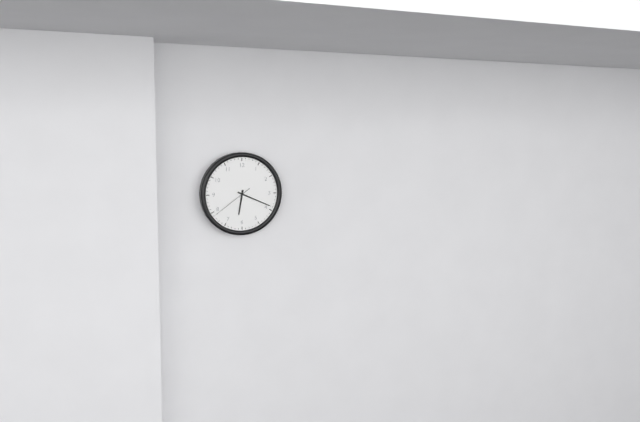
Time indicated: 6:19
